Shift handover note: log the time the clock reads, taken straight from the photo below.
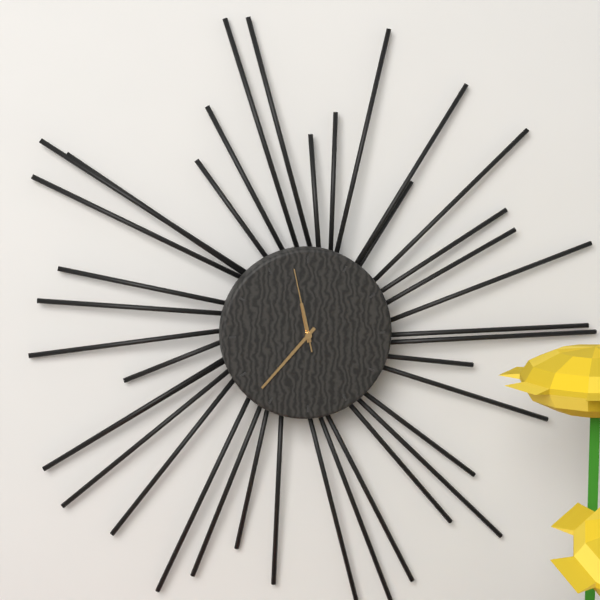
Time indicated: 11:37:58
